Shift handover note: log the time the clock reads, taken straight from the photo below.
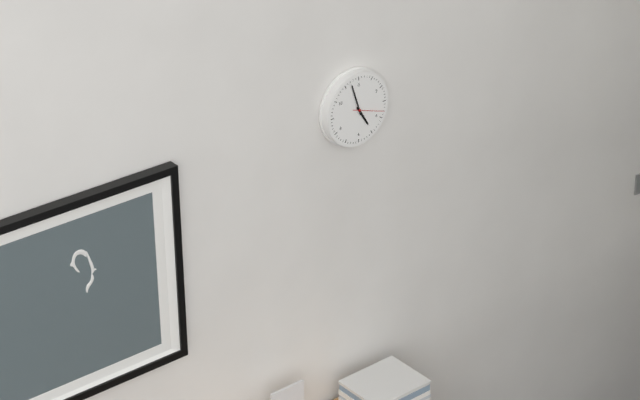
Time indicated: 4:57
